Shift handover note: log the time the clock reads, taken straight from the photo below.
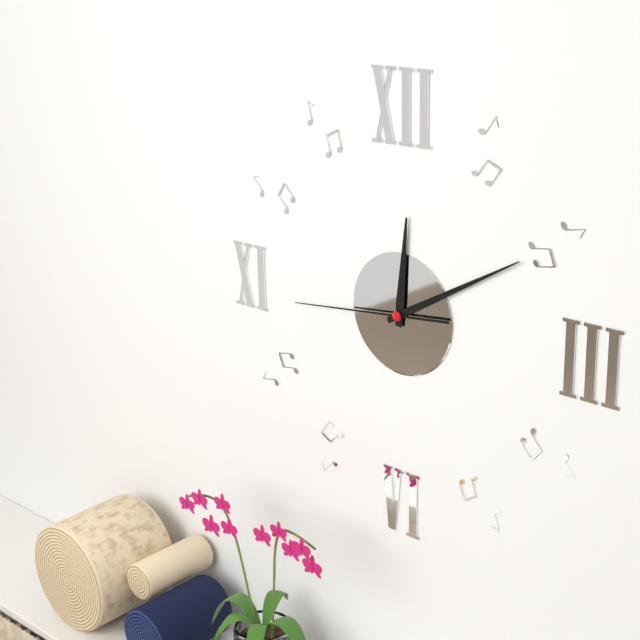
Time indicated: 12:10:44
